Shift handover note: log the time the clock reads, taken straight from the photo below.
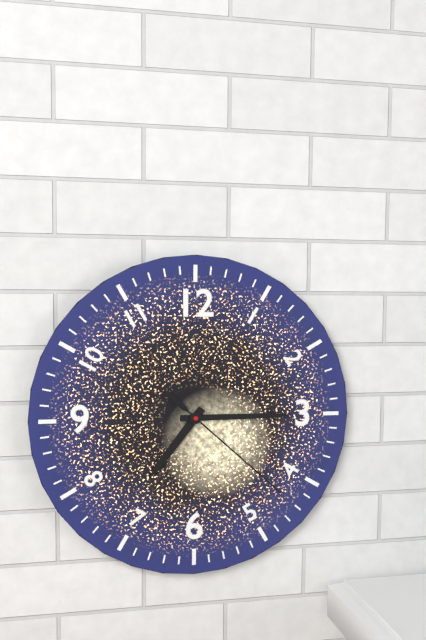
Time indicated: 7:15:22
